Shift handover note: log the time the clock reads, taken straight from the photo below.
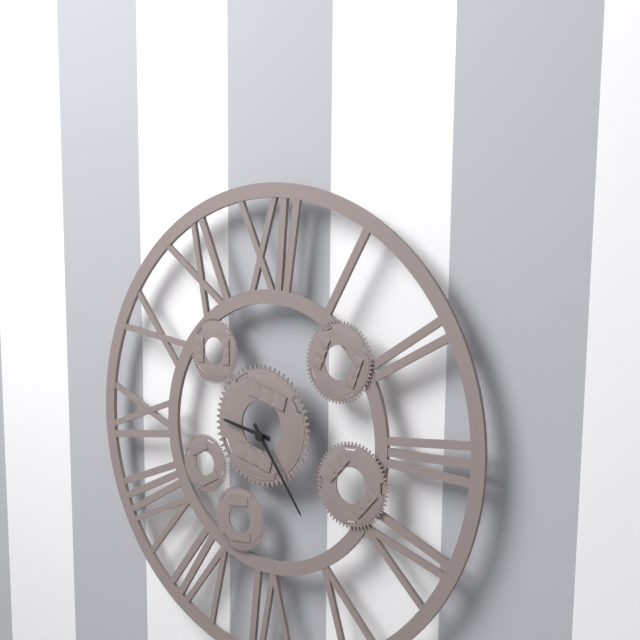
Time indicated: 9:24
